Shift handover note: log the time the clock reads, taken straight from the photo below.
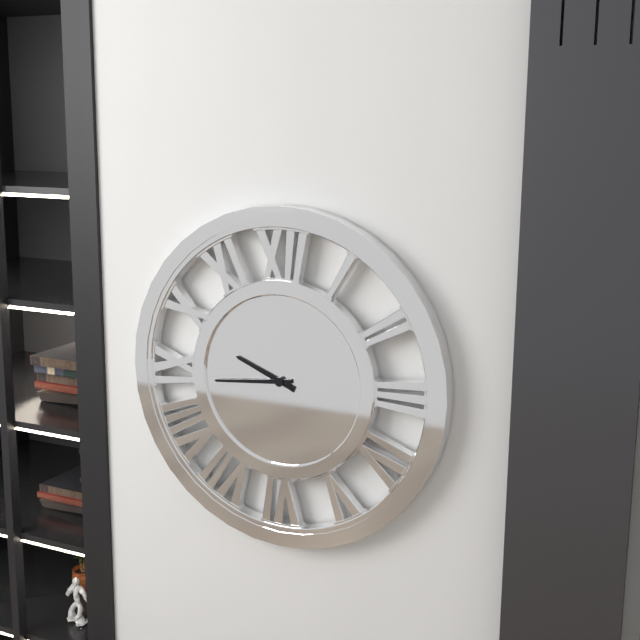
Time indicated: 9:44
